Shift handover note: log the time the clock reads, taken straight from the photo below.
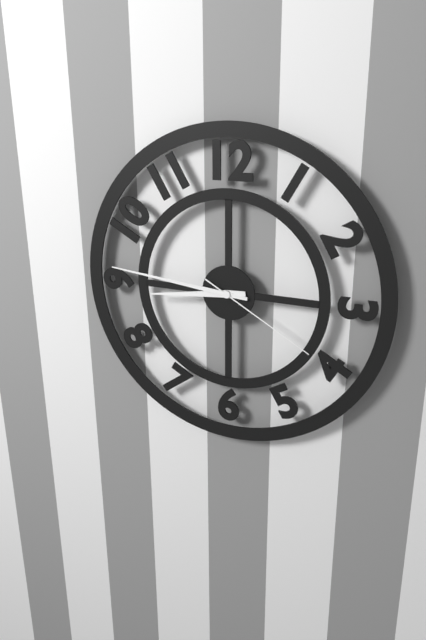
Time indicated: 8:46:20
